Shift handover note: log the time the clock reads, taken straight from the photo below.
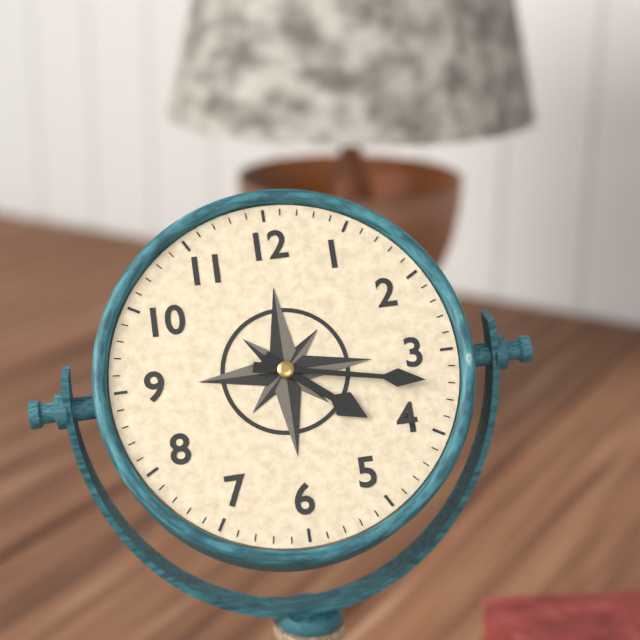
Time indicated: 4:17
